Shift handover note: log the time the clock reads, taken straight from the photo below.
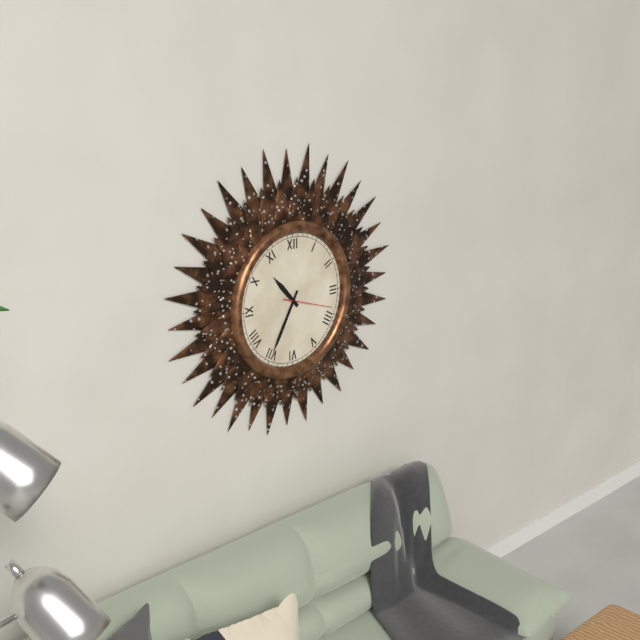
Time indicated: 10:35
